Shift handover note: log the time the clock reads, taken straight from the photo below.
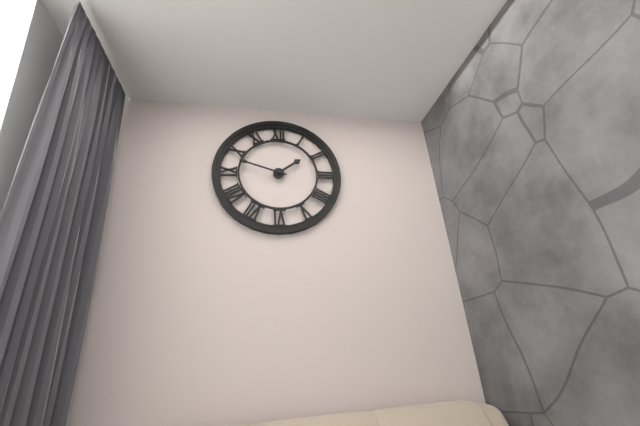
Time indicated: 1:48
